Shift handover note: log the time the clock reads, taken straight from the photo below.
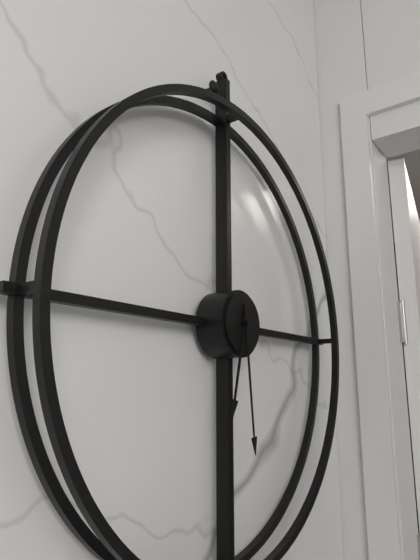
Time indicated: 6:29
